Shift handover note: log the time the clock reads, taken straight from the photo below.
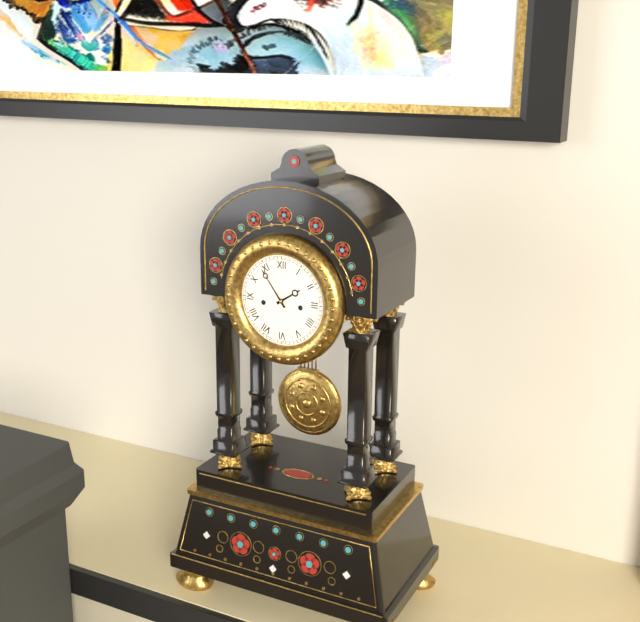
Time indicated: 1:54
